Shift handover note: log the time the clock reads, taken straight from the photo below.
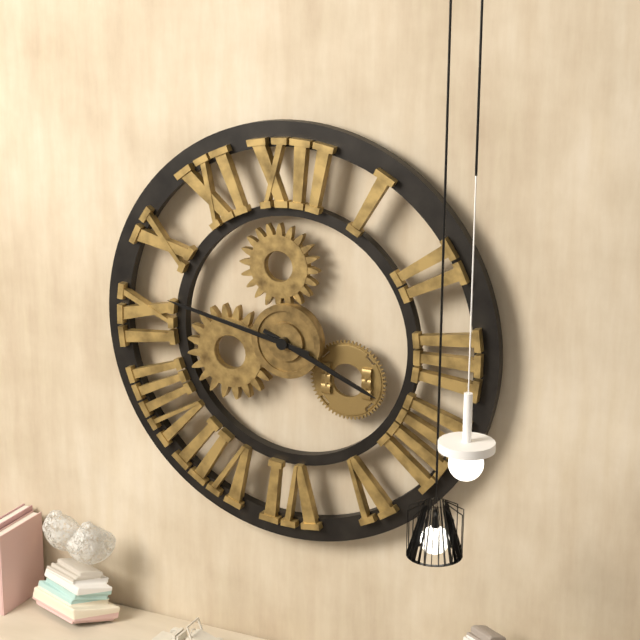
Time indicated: 3:47
